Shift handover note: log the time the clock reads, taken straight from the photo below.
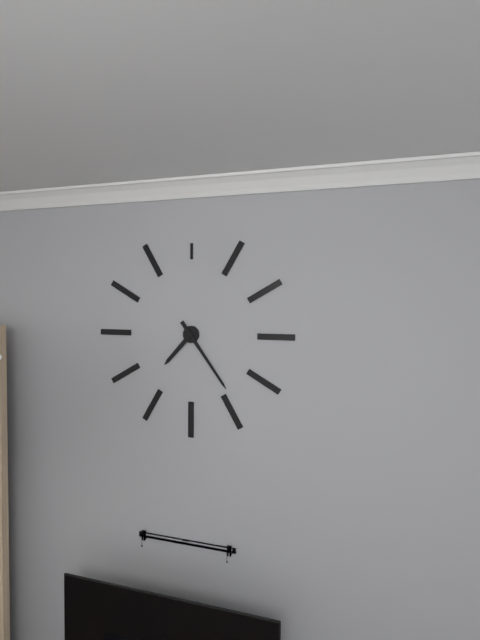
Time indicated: 7:24
